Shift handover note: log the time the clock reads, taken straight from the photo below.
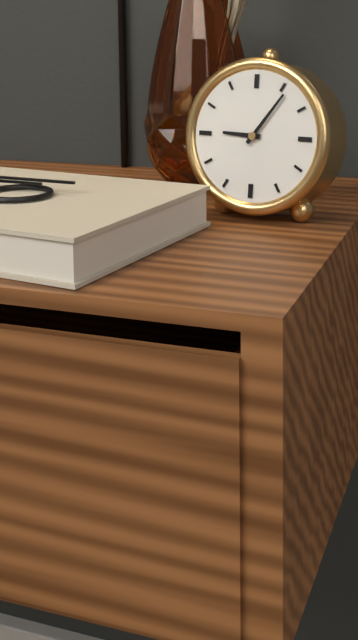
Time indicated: 9:06
